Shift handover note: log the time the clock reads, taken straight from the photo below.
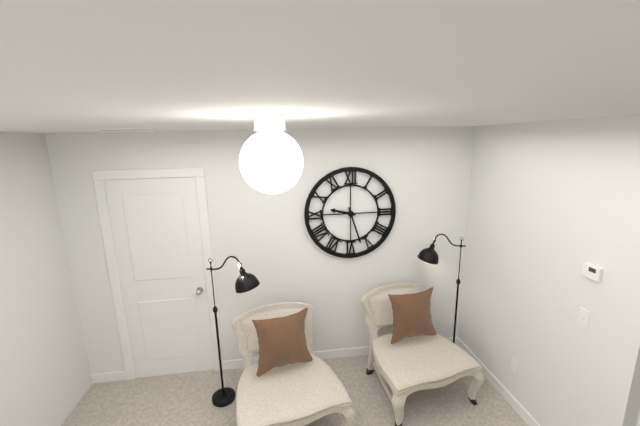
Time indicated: 9:27
